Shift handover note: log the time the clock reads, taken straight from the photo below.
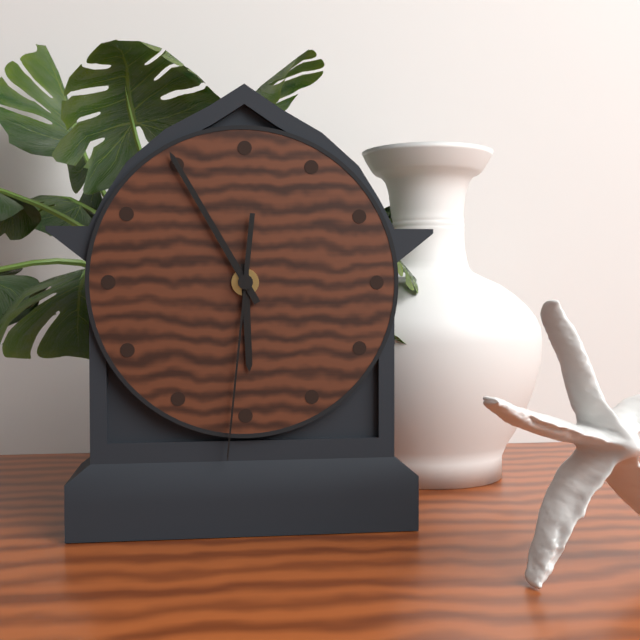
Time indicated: 5:55:31
